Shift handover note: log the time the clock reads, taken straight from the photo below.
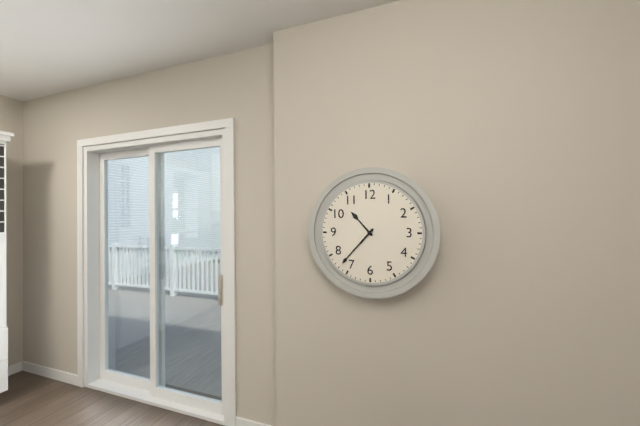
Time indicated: 10:37
